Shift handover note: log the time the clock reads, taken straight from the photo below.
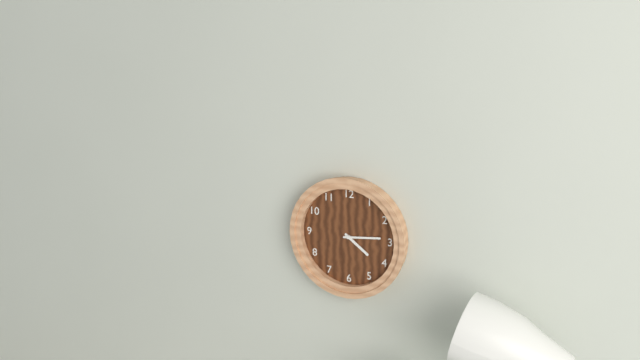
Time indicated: 4:14
